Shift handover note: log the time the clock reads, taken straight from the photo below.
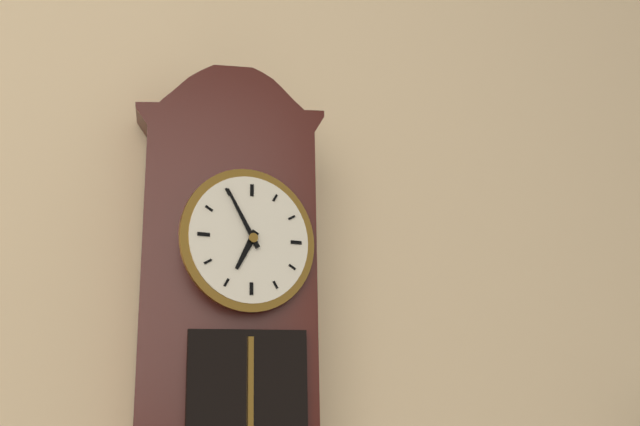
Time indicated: 6:55
